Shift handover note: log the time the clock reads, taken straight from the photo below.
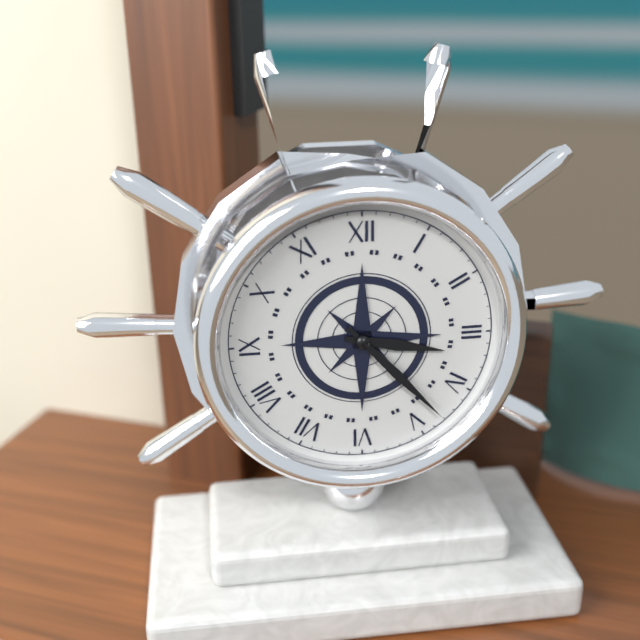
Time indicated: 3:23
